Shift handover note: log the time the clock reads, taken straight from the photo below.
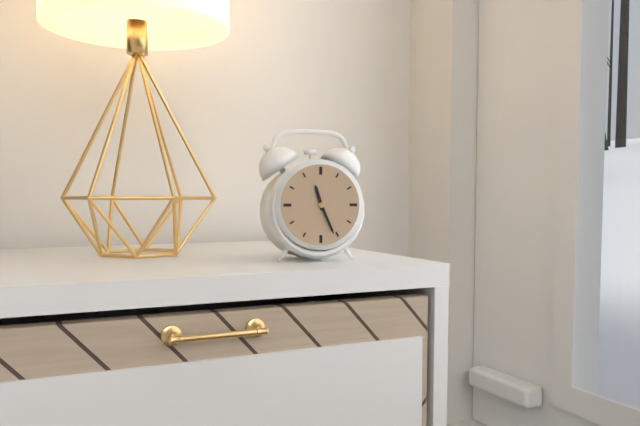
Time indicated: 11:26
